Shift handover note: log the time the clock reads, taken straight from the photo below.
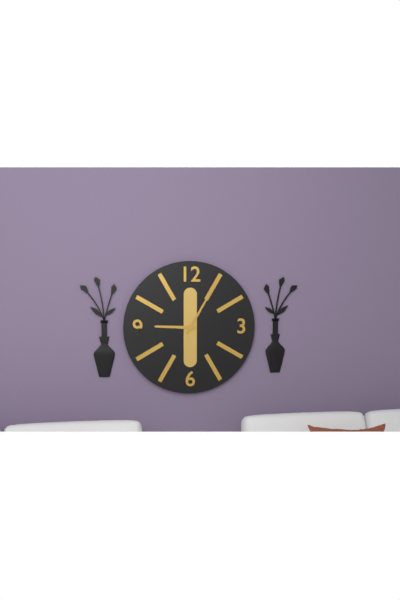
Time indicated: 9:05
